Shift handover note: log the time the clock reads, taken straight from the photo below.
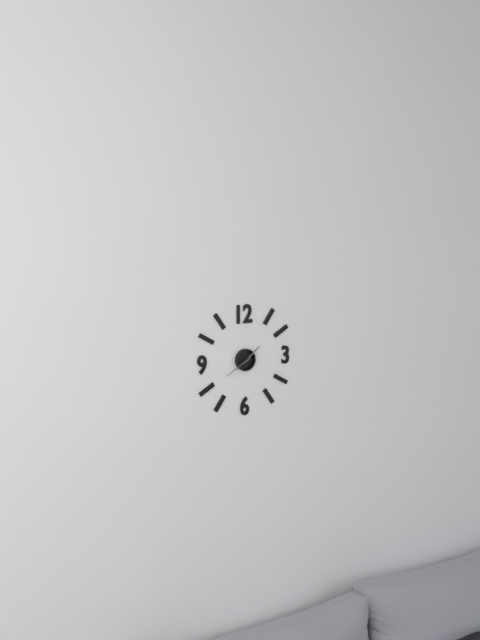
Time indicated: 1:40
